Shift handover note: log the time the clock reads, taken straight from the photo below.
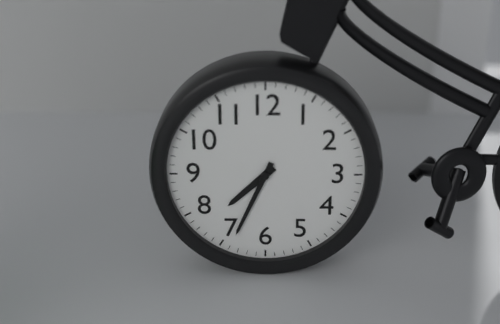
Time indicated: 7:34
